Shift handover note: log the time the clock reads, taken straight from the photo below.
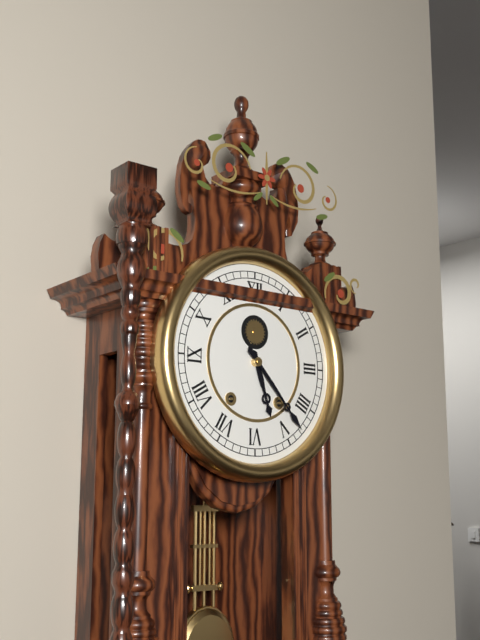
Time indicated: 5:23
